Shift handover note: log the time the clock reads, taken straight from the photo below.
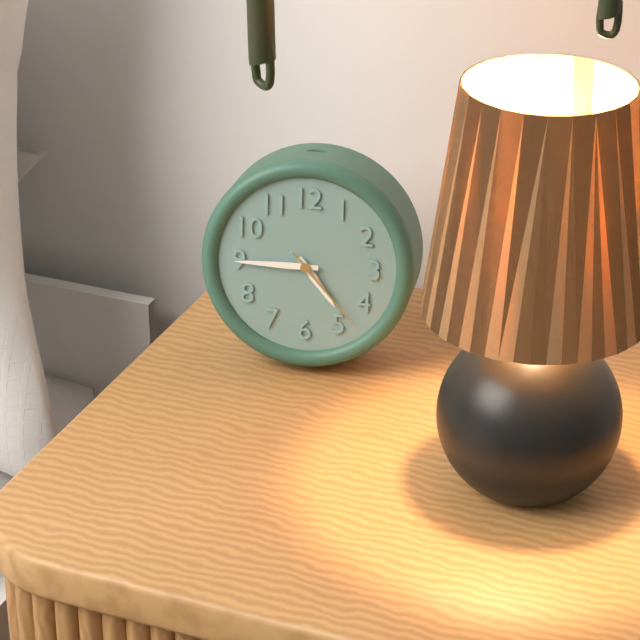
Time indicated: 4:45:23
